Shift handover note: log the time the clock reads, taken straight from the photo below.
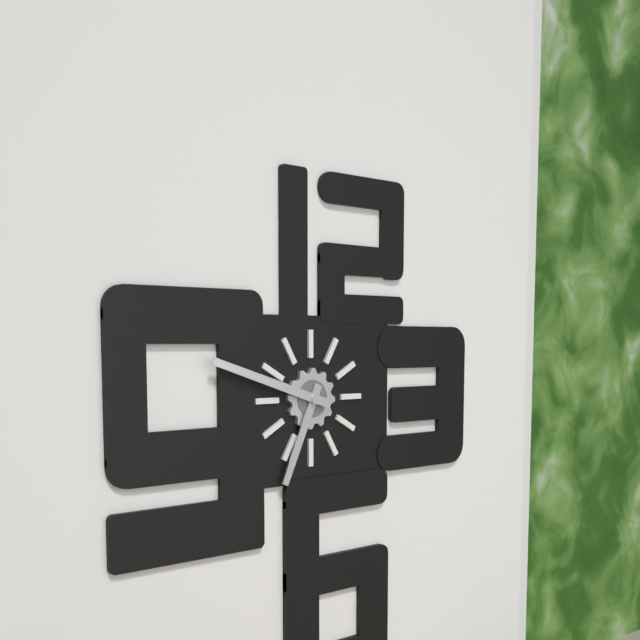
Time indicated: 6:48
